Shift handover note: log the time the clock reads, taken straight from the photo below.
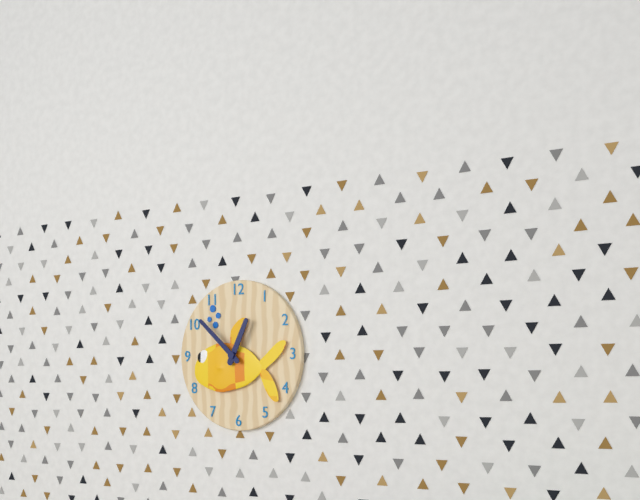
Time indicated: 12:52
